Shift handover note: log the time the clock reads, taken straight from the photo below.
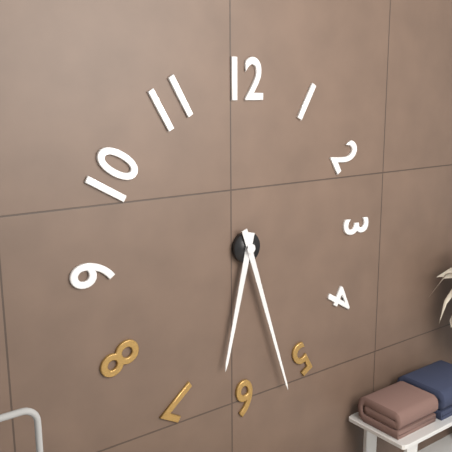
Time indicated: 6:27
